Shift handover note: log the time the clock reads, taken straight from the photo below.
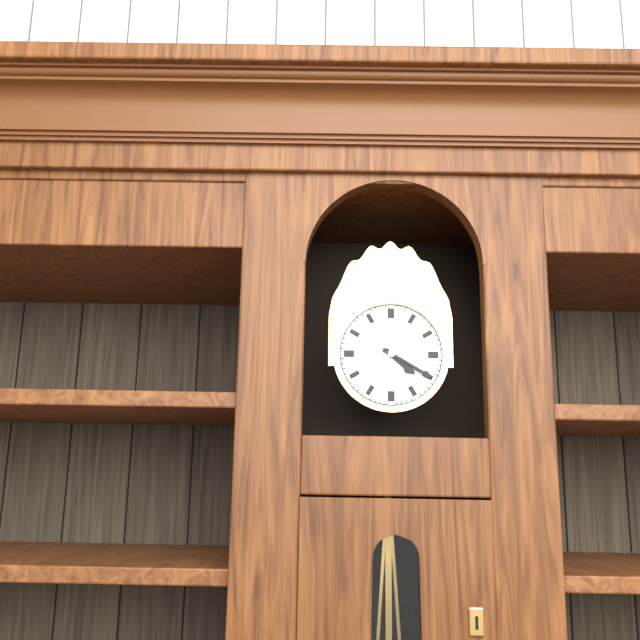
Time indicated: 4:20
